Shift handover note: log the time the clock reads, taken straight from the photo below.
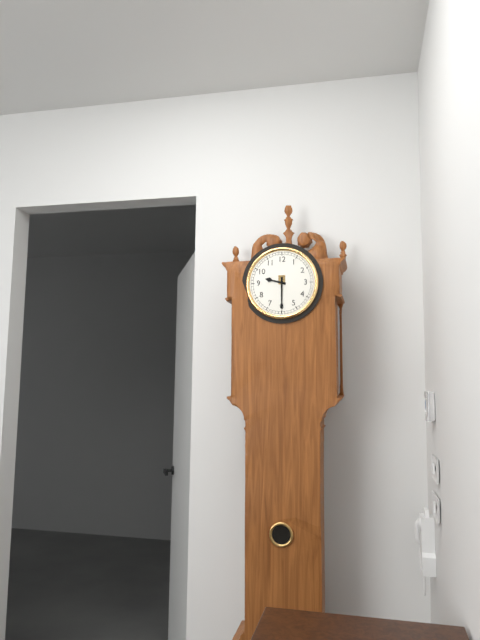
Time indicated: 9:30
